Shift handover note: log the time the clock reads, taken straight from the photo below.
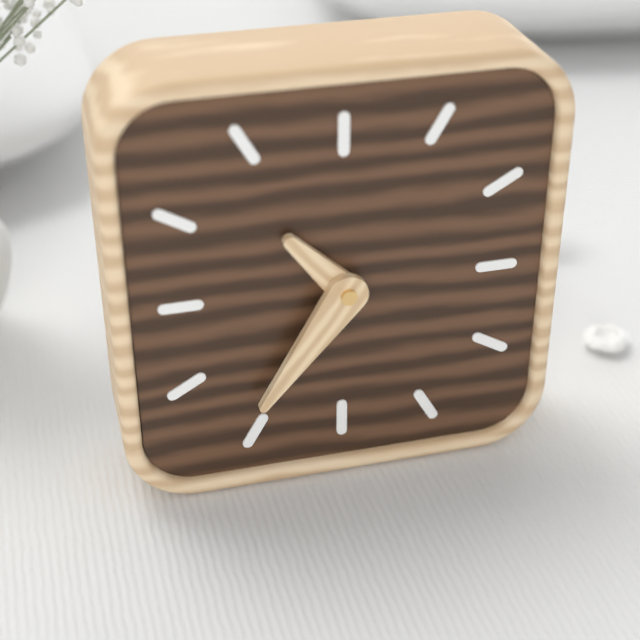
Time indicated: 10:36
